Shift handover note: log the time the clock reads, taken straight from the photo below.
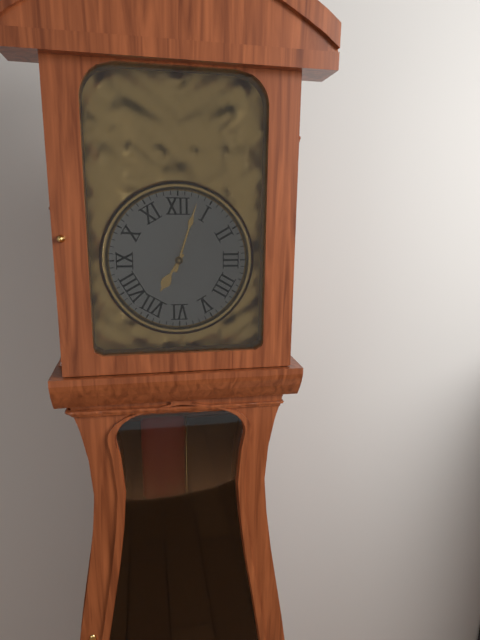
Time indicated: 7:03
